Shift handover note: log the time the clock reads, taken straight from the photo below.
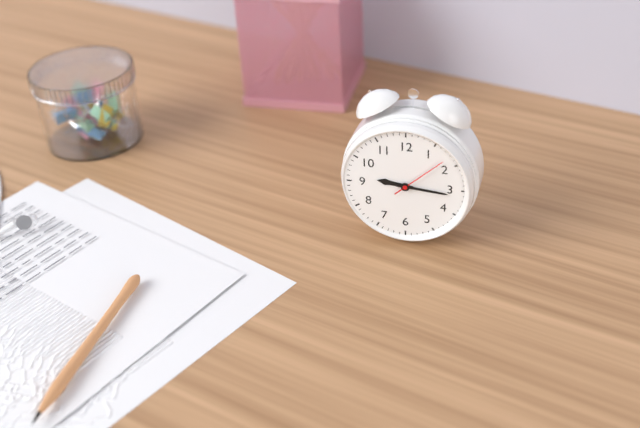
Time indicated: 9:16:08
